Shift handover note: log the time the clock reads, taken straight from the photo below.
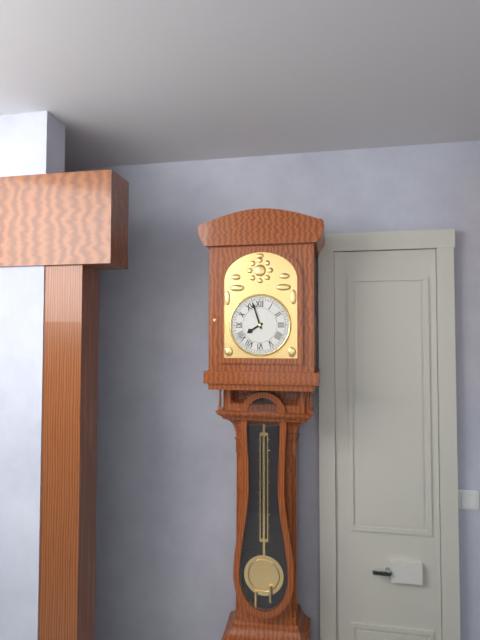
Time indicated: 7:57
